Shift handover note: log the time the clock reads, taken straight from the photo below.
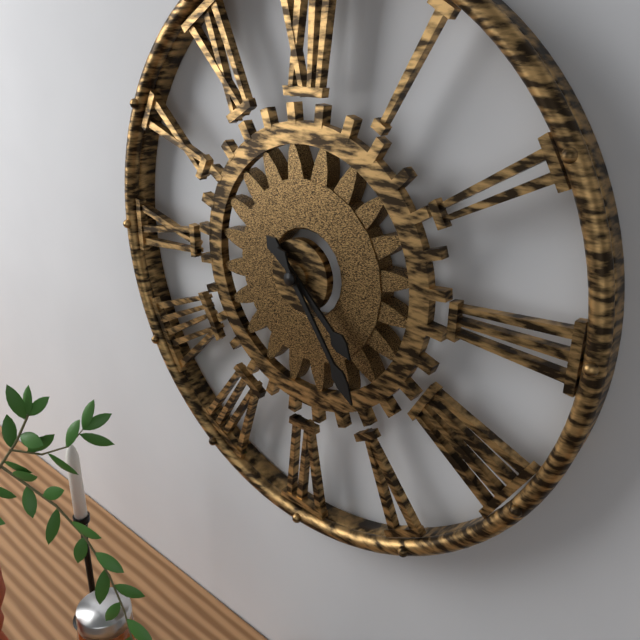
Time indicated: 4:24
